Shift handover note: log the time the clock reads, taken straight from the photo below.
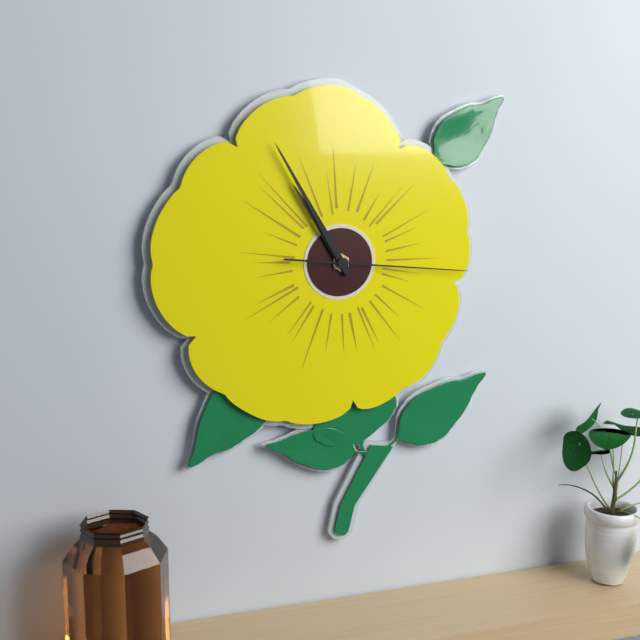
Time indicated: 10:55:16
